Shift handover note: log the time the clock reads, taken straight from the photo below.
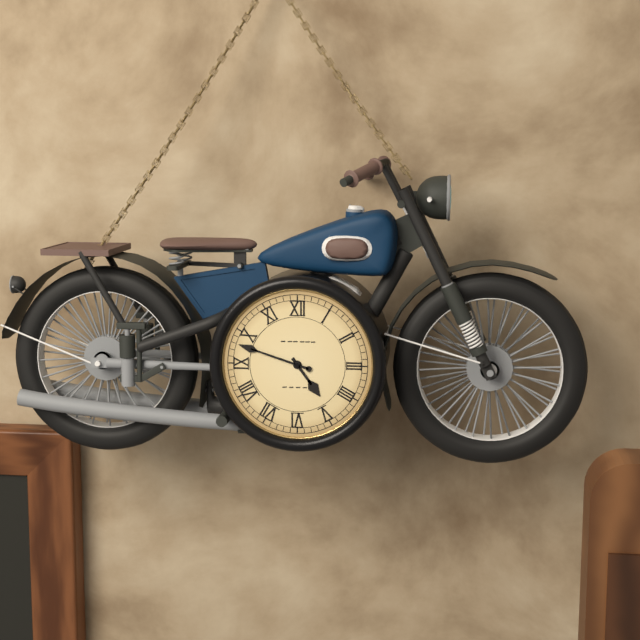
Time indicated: 4:48
